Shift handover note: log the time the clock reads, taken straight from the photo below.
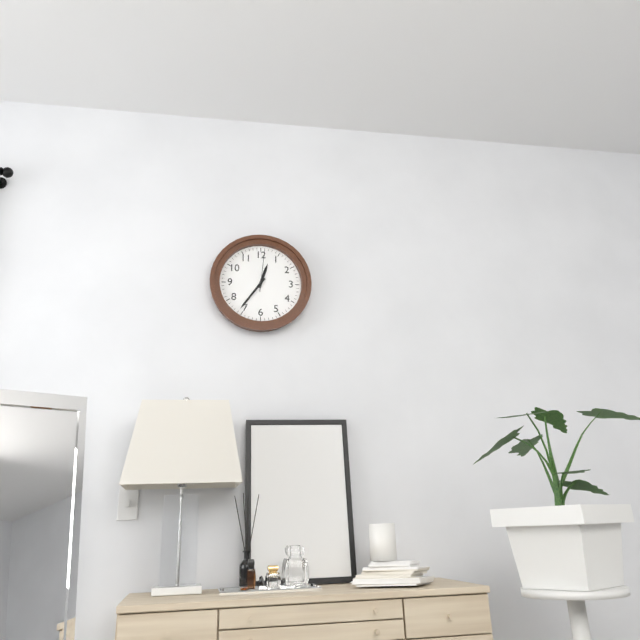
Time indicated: 12:36
